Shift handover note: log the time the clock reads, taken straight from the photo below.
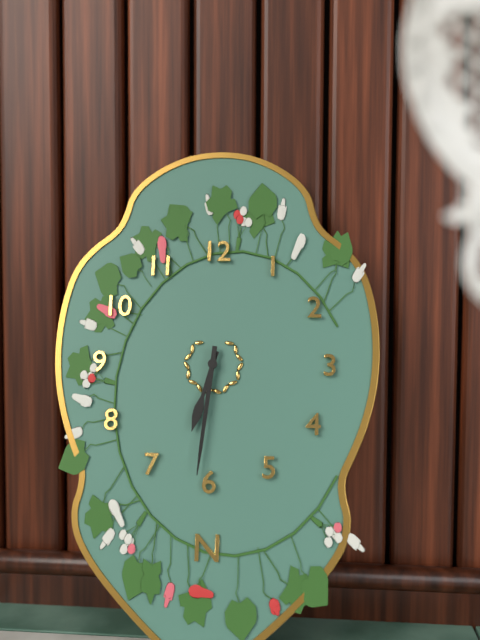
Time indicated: 6:31
